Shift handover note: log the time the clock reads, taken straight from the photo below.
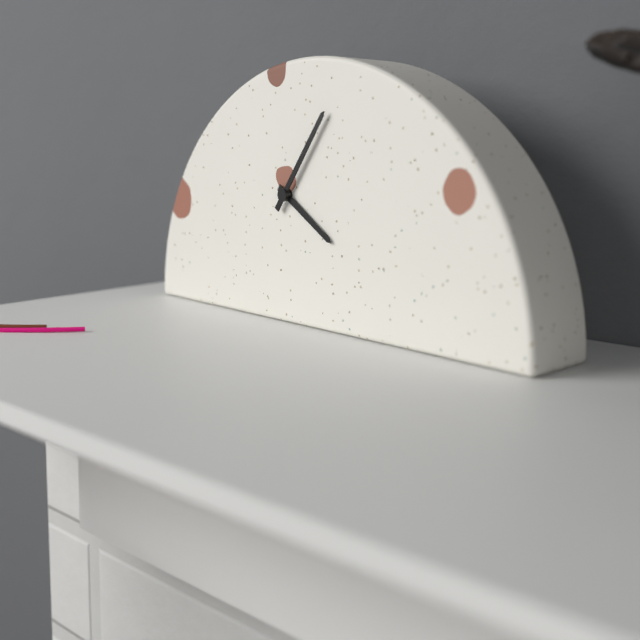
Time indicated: 4:06
